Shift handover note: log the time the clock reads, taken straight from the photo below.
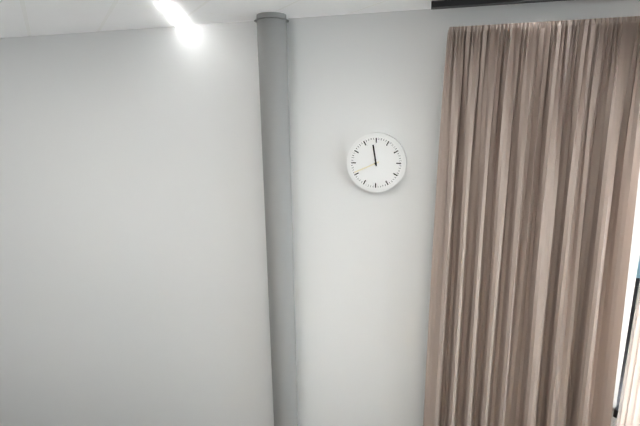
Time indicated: 11:41
